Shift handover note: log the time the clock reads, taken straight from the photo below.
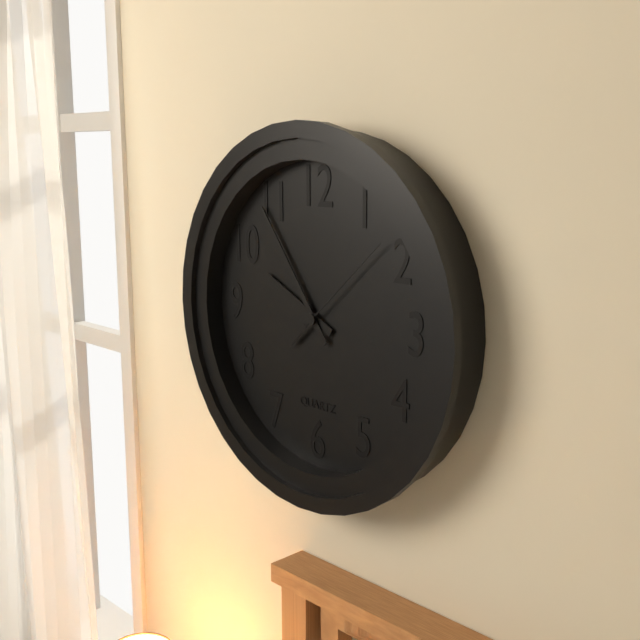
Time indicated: 9:54:08
